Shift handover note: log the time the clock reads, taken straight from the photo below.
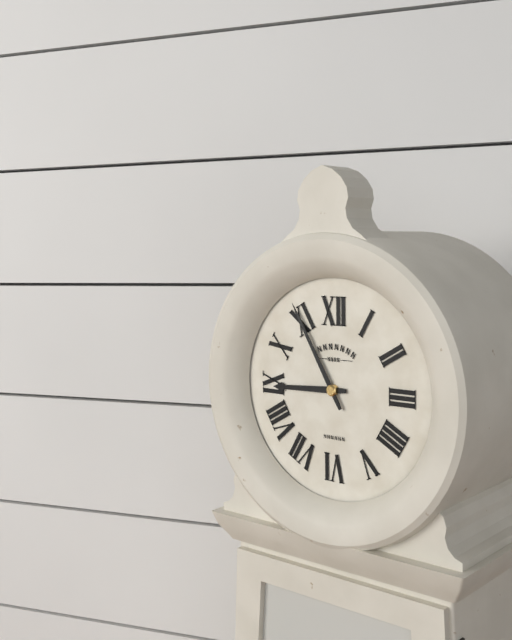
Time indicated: 8:55
